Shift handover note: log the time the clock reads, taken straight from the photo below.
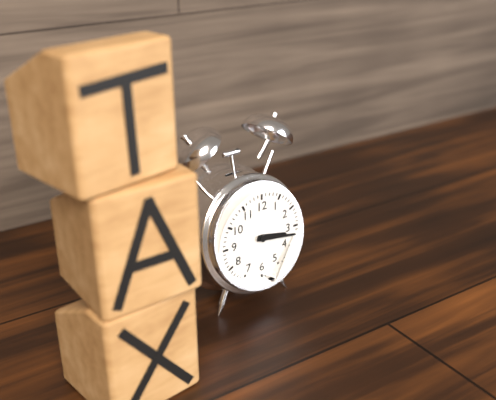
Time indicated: 3:17
